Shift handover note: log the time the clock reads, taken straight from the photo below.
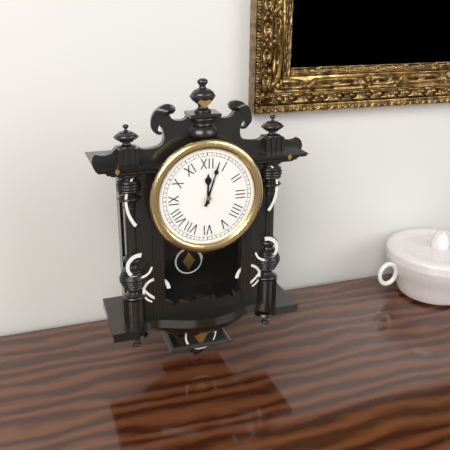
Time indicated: 12:03
